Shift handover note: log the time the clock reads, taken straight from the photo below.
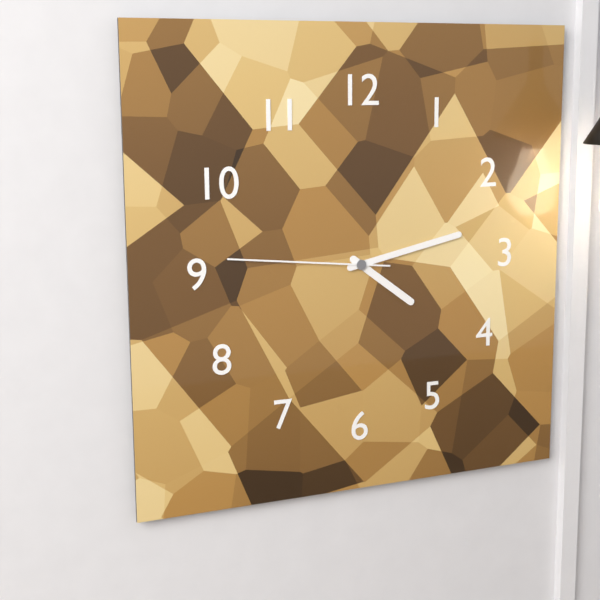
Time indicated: 4:13:46
